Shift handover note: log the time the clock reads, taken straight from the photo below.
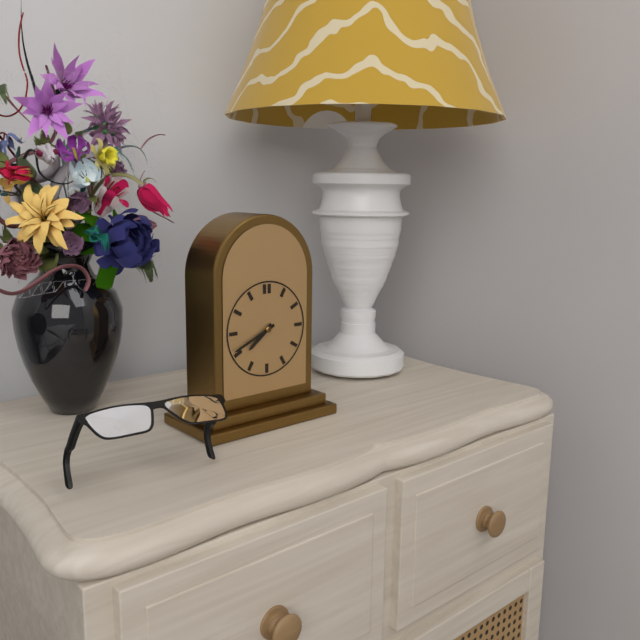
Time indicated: 7:41
